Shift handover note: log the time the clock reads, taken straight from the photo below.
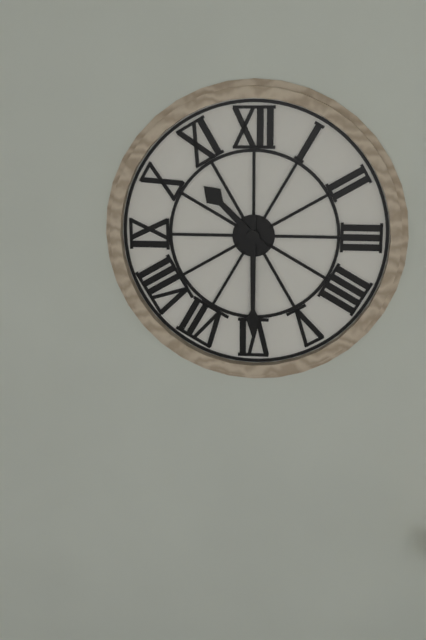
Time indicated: 10:30
